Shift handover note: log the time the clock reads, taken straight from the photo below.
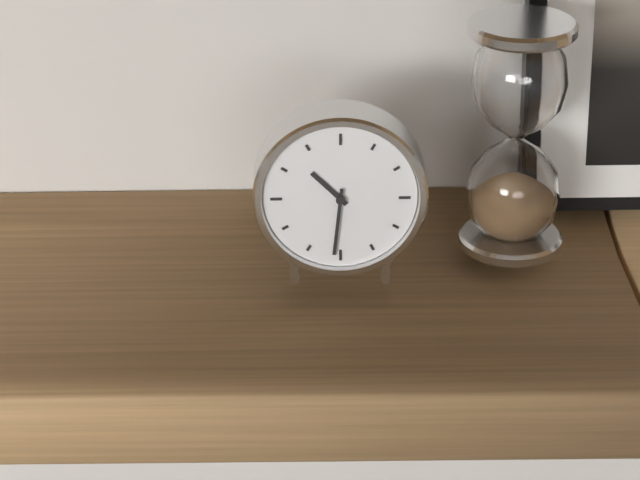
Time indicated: 10:31
